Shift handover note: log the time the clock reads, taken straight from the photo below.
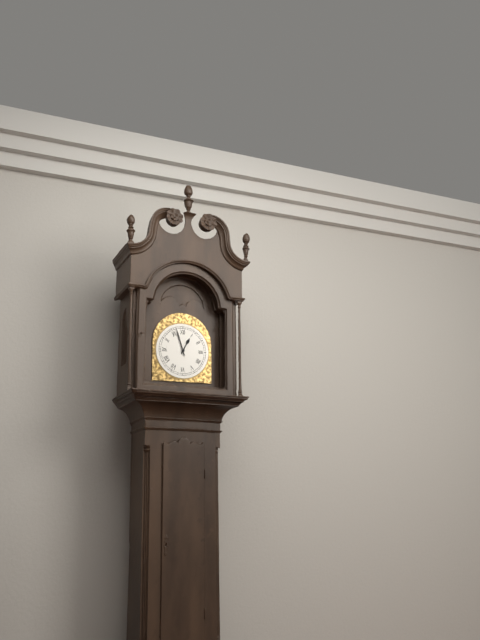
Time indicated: 12:57
